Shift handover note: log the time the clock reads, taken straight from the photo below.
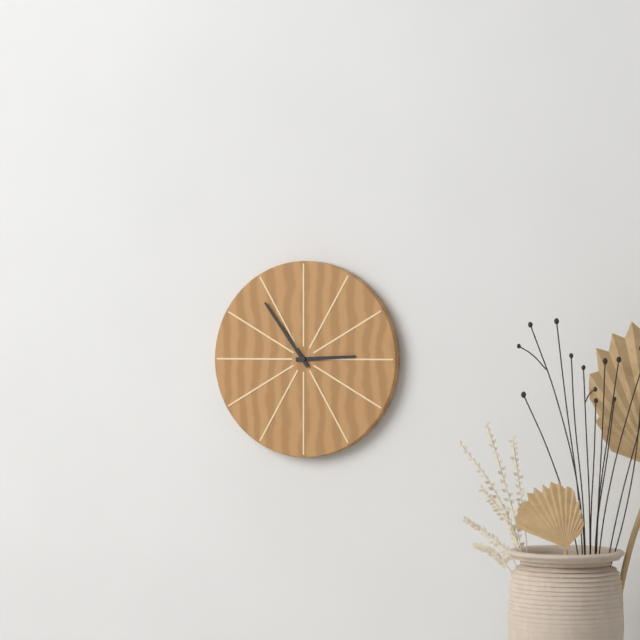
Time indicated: 2:54
